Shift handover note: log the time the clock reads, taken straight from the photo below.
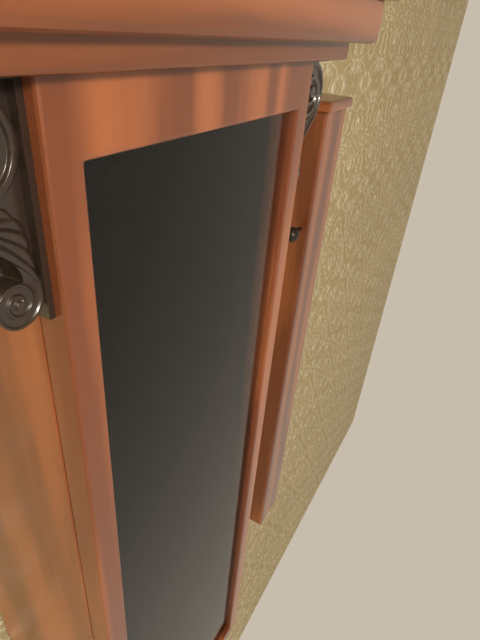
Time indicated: 1:18
